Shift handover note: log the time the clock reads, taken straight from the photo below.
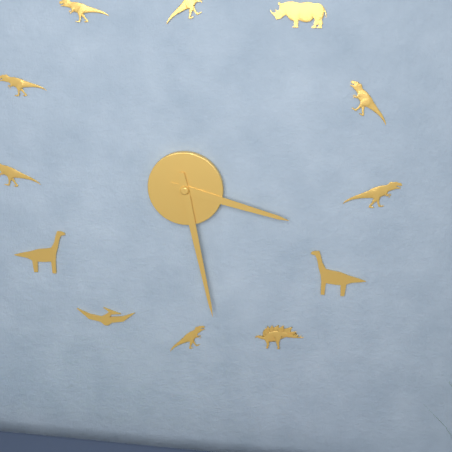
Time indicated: 3:28
